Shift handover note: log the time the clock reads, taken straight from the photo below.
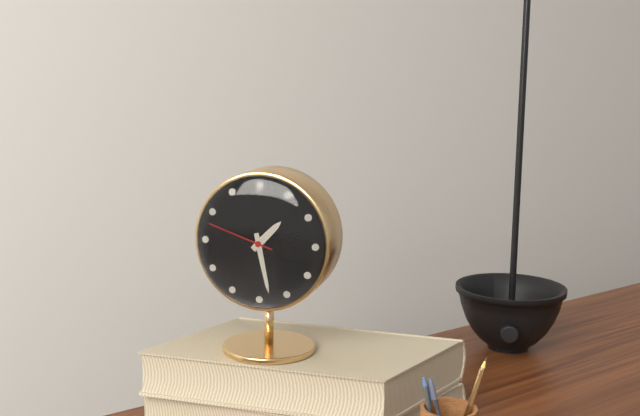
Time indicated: 1:28:48
